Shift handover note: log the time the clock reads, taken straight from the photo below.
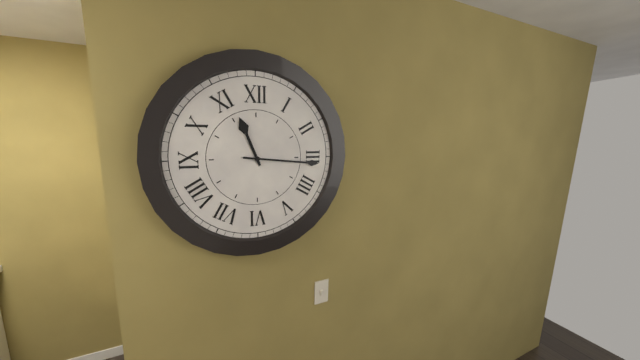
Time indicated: 11:16
